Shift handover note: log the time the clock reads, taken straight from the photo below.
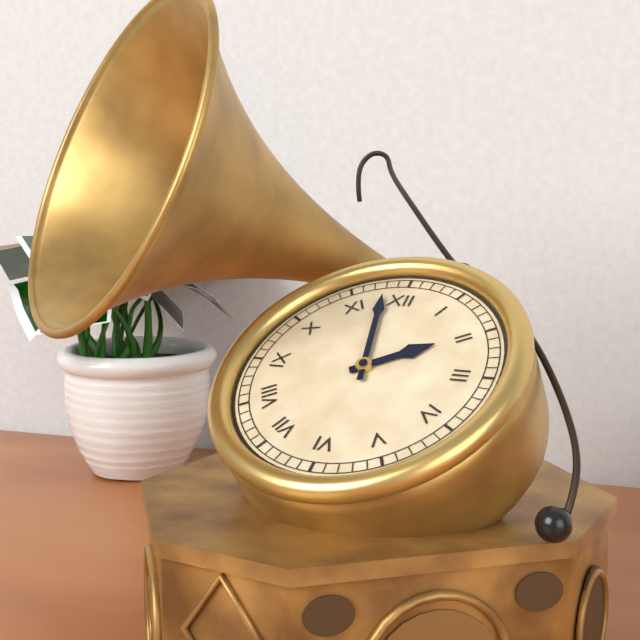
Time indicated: 1:58
